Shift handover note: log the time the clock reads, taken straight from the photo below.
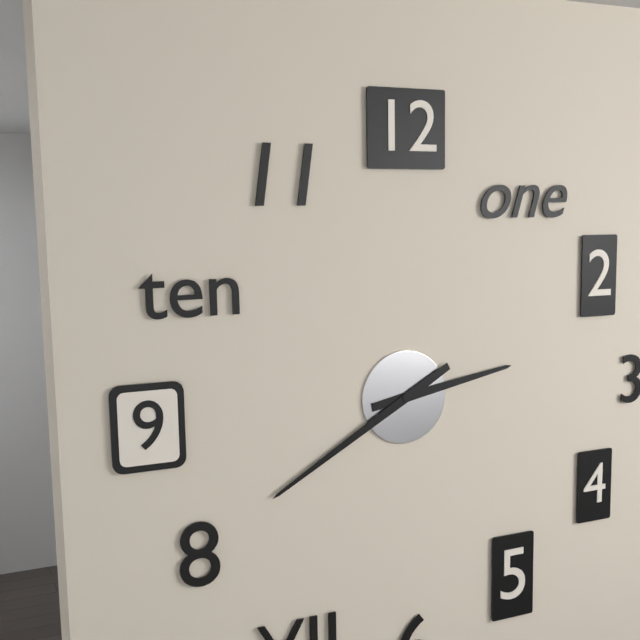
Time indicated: 2:40
